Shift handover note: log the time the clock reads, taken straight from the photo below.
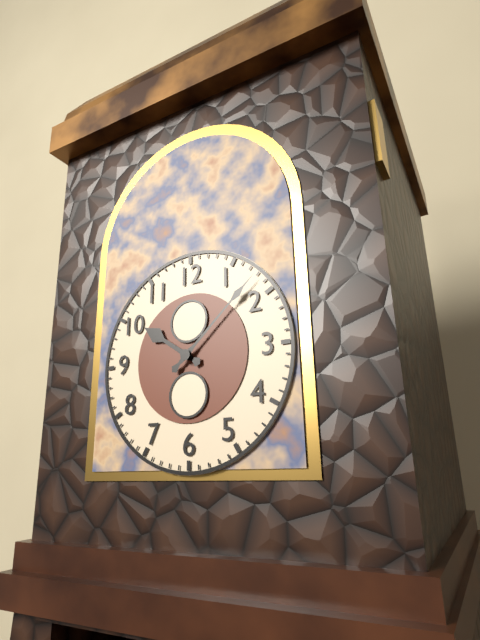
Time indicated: 10:08
